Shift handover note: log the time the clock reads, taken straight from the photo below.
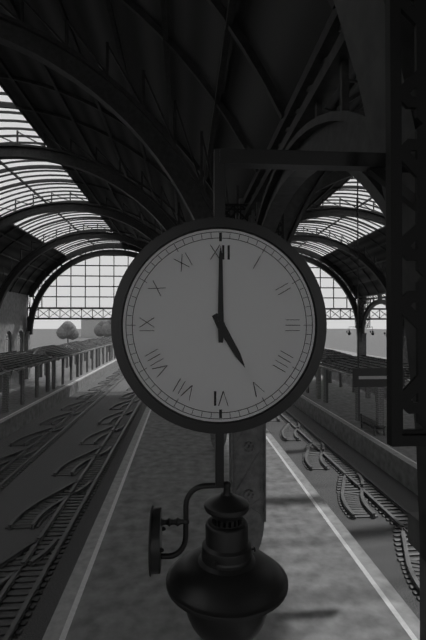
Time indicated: 5:00
